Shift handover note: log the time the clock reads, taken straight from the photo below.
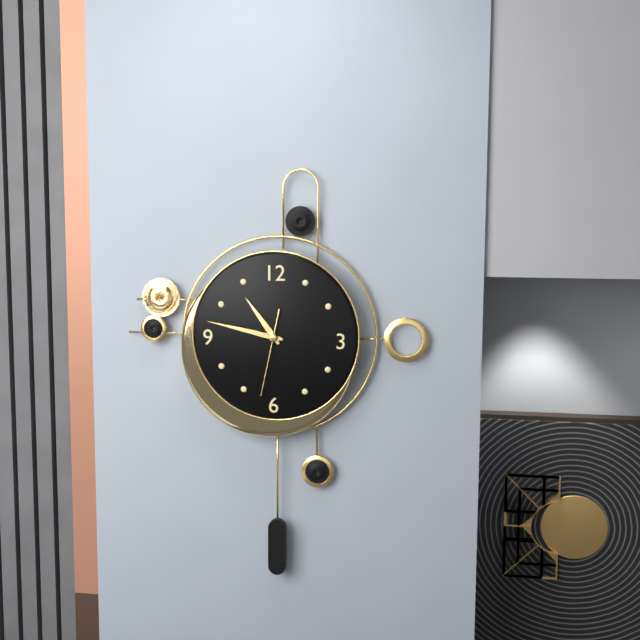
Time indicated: 10:47:32
